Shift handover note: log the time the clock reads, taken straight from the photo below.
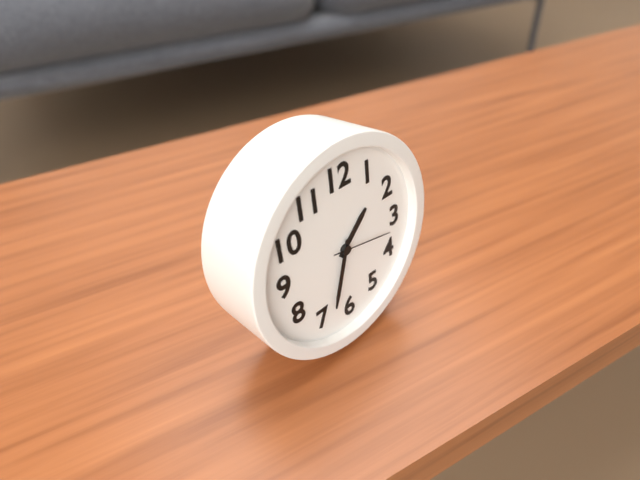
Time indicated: 1:33:17
